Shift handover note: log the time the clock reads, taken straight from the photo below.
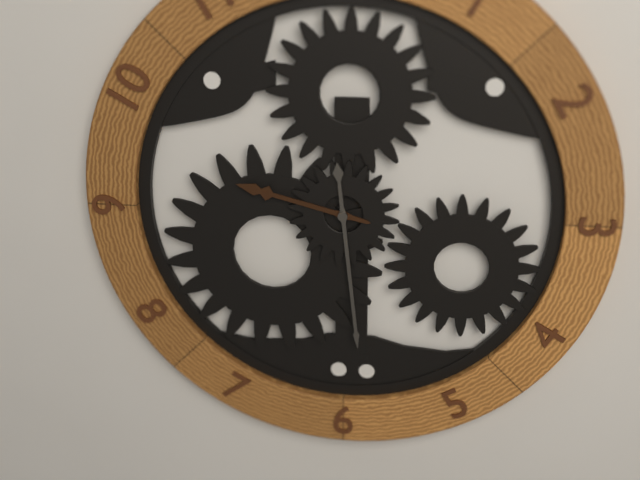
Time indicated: 9:29
